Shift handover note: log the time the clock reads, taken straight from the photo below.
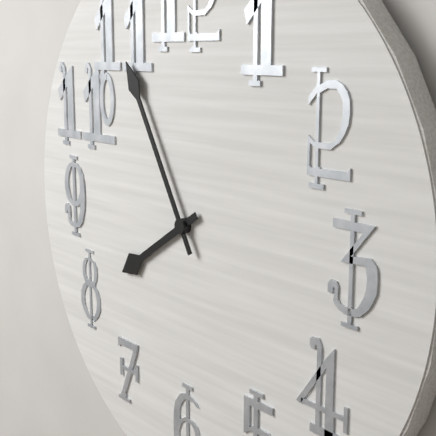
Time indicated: 7:55
